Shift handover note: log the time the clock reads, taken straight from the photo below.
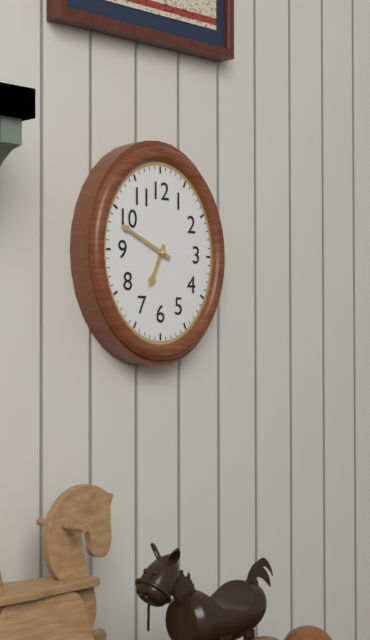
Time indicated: 6:49
